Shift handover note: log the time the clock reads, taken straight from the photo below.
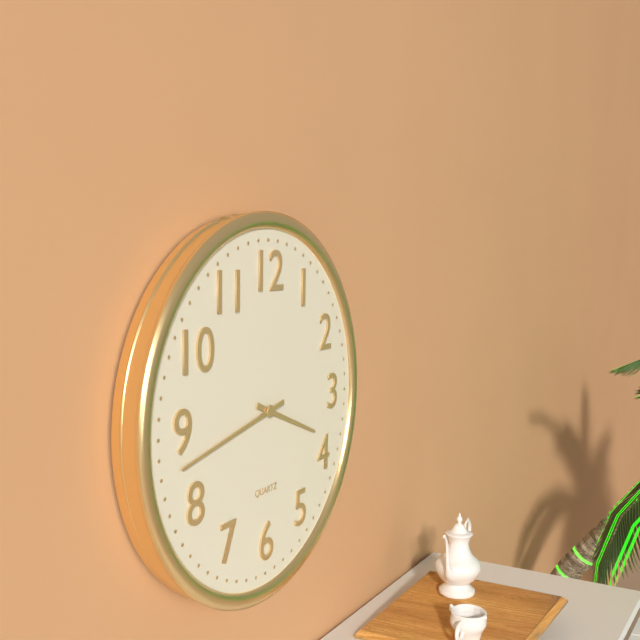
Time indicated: 3:43
